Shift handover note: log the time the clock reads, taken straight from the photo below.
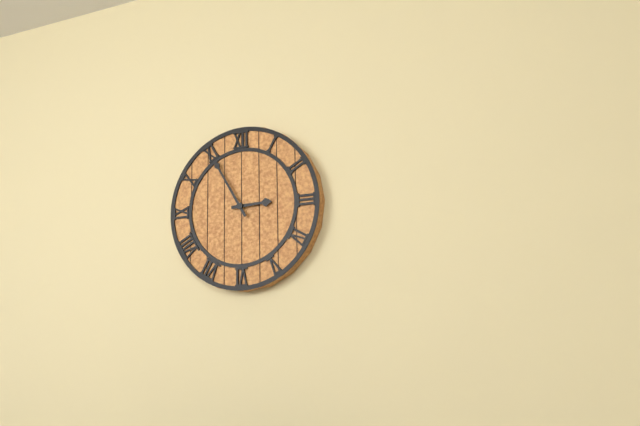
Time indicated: 2:55
